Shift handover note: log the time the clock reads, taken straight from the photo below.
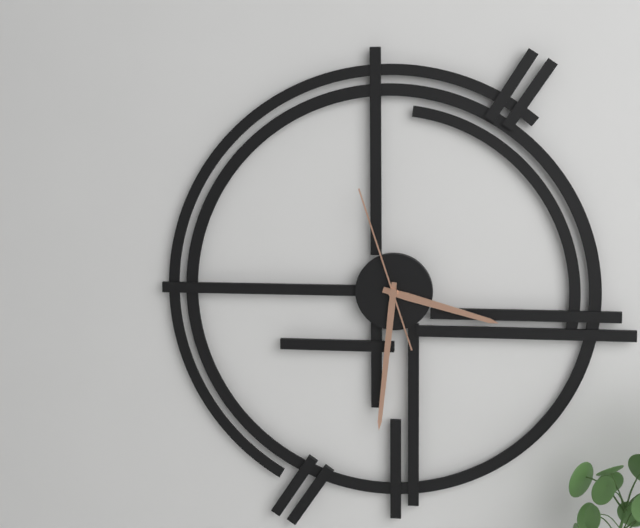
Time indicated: 3:31:57
